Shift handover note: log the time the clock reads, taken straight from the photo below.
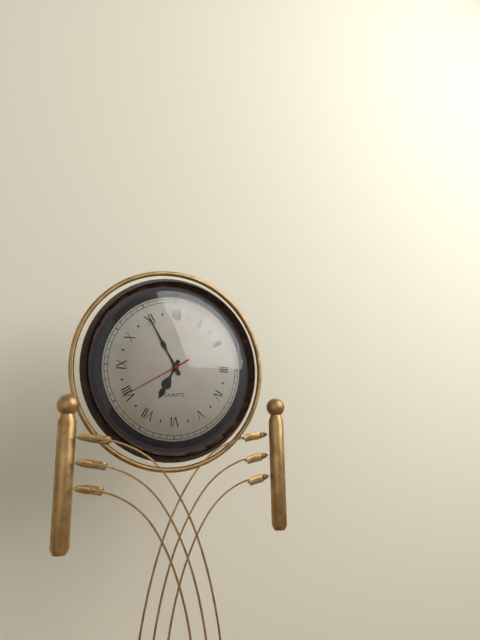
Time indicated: 6:55:40
